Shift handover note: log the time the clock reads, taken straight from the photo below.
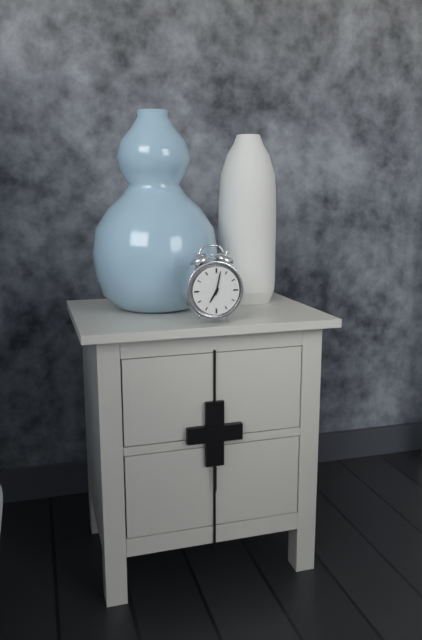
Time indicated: 7:02
